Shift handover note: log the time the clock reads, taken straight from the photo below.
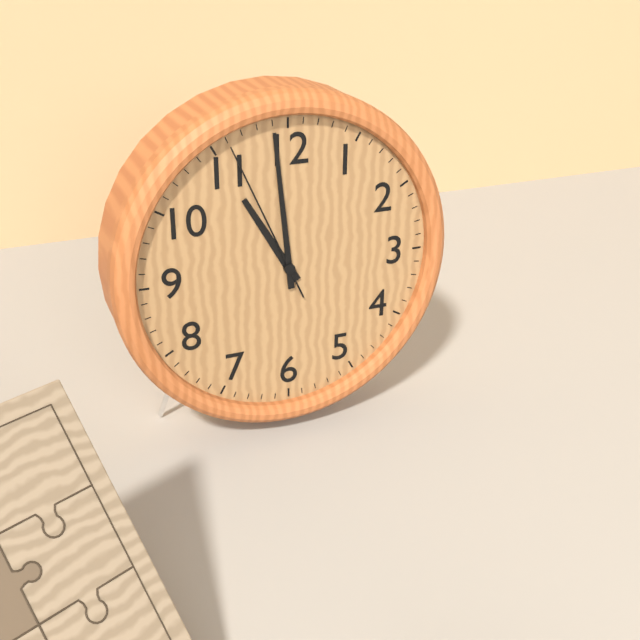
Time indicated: 10:59:56
